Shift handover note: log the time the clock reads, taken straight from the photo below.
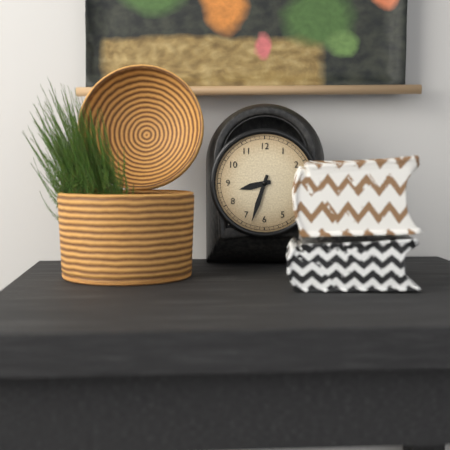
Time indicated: 8:33
